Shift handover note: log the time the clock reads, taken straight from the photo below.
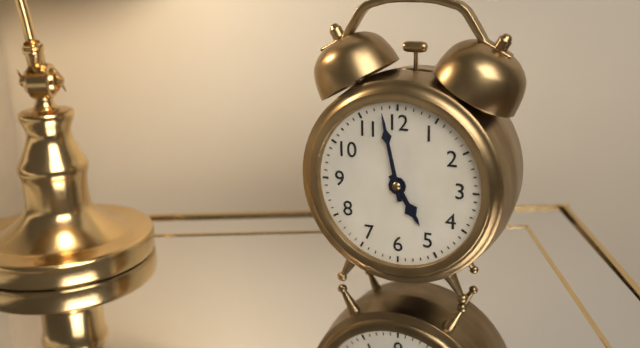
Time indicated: 4:58
